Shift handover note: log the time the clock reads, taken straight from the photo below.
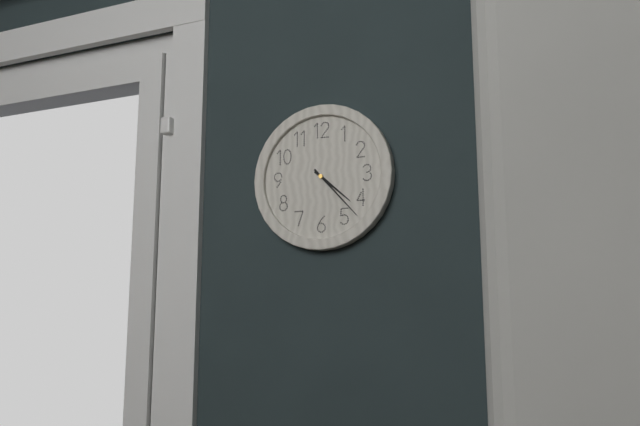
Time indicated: 4:23
